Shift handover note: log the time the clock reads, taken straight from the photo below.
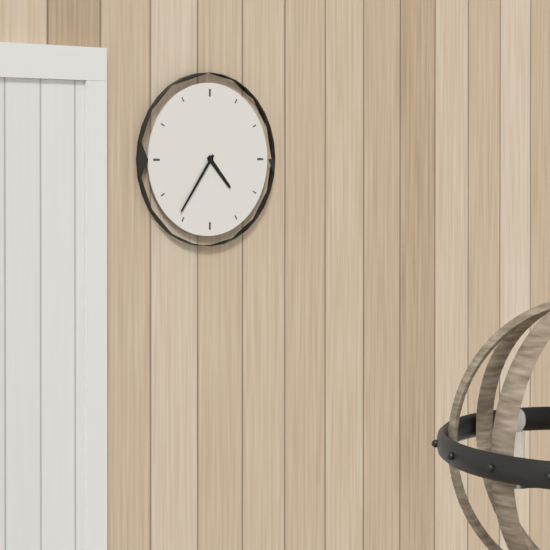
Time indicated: 4:36
